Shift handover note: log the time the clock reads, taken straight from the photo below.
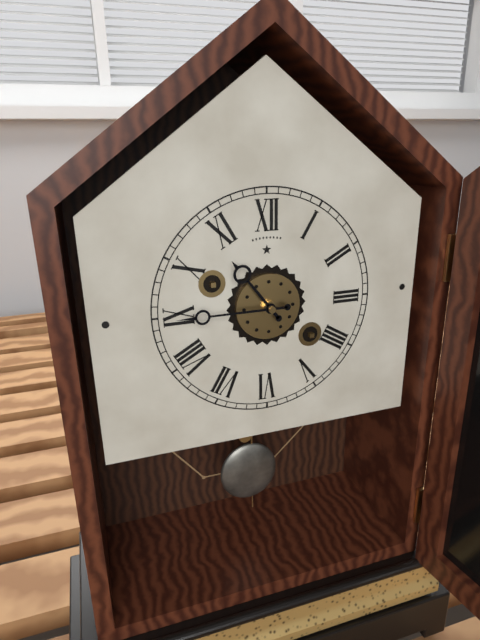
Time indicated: 10:45
